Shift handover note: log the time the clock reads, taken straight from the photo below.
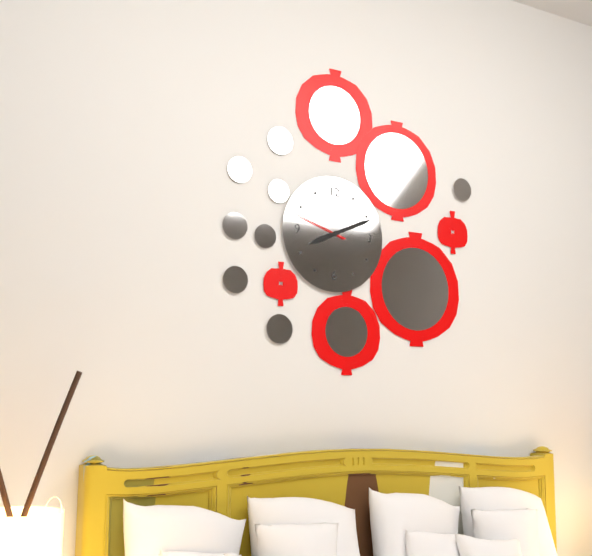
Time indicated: 8:11:48
